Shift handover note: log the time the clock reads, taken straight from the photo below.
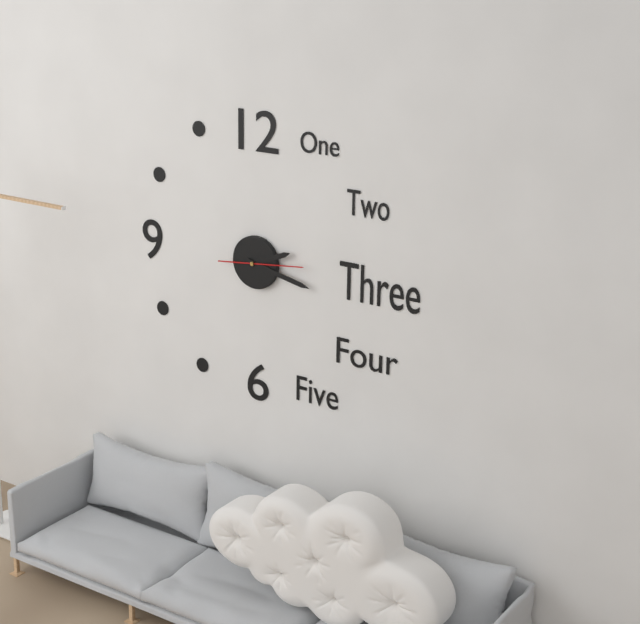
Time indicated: 2:17:14
